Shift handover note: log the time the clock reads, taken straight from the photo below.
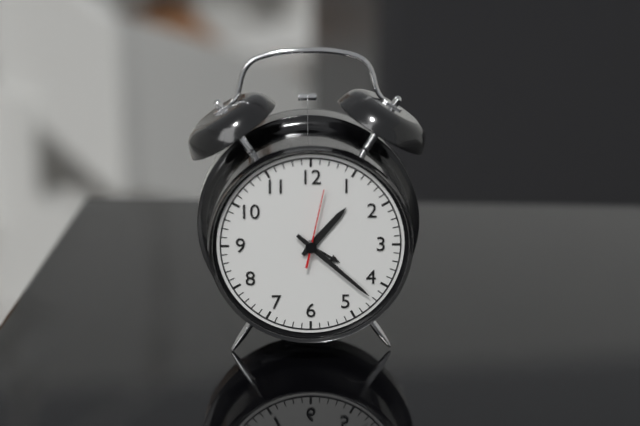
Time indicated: 1:22:02
